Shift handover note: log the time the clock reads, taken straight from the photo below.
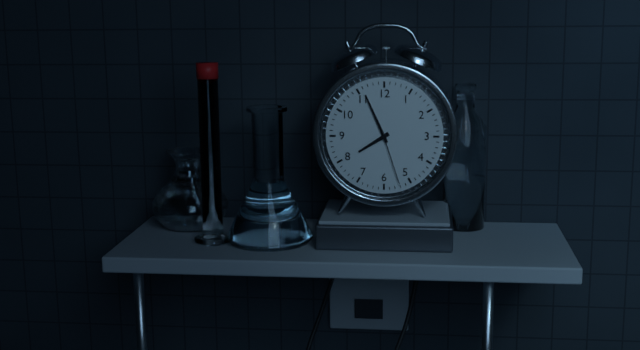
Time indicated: 7:56:27
